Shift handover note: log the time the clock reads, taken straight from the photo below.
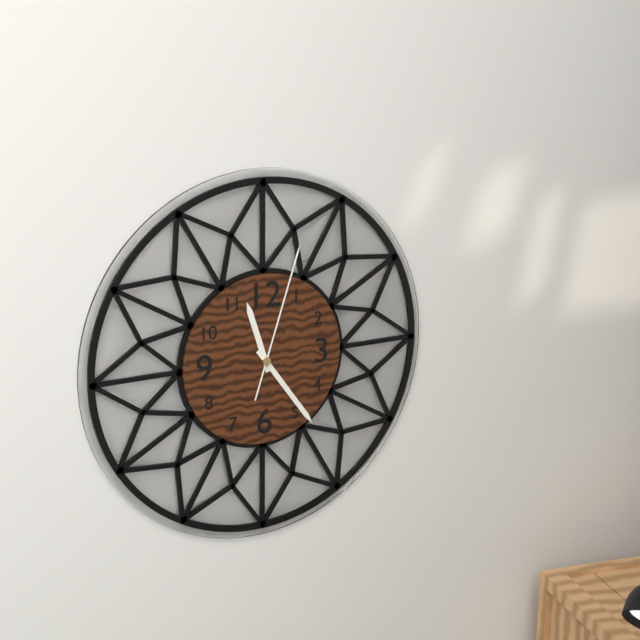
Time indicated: 11:24:03
